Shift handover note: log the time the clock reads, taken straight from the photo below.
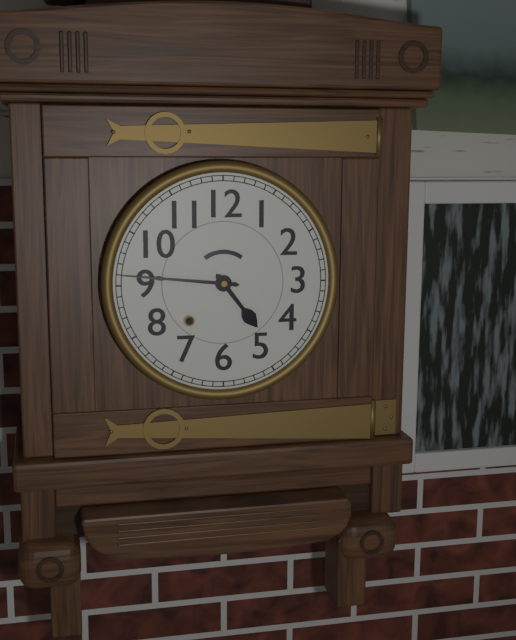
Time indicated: 4:46
